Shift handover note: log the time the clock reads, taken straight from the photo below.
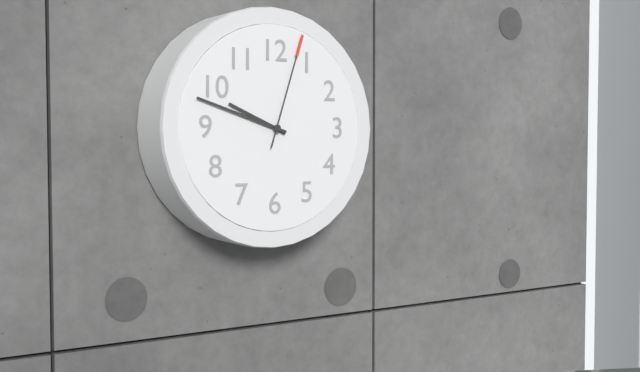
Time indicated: 9:48:03
